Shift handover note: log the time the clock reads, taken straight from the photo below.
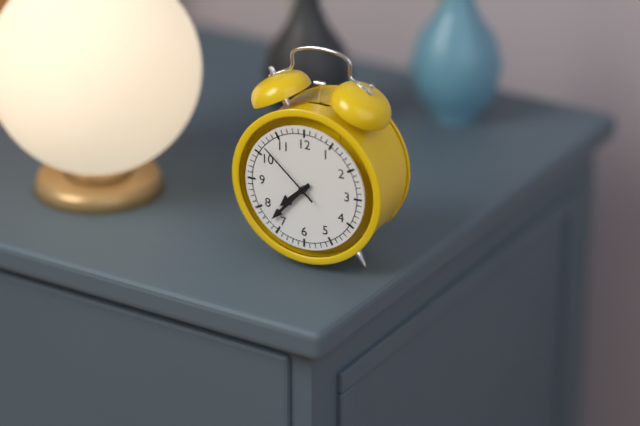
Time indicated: 7:37:52
